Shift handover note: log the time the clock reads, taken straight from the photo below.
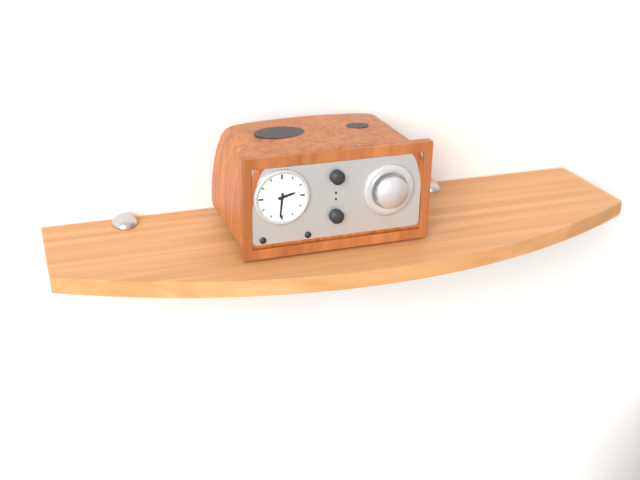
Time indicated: 2:31
